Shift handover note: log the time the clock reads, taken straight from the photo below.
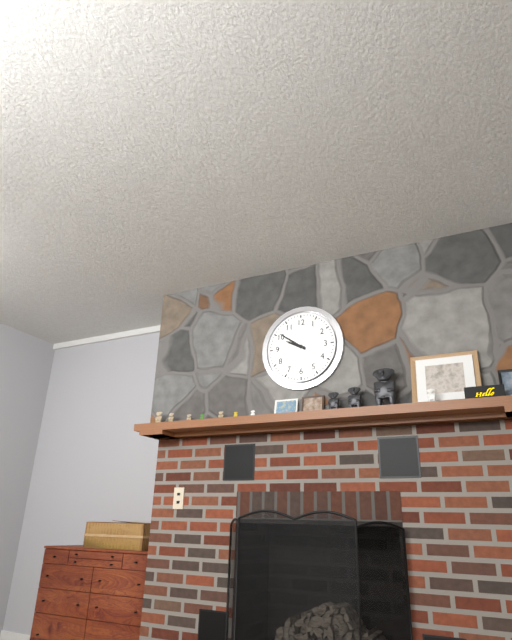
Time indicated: 9:51
